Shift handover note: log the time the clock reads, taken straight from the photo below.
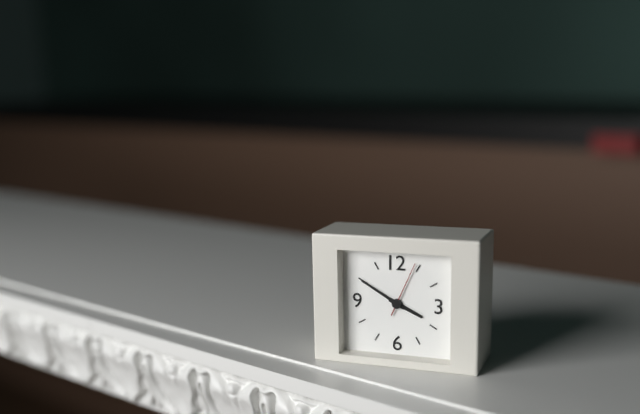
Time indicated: 3:50:04
